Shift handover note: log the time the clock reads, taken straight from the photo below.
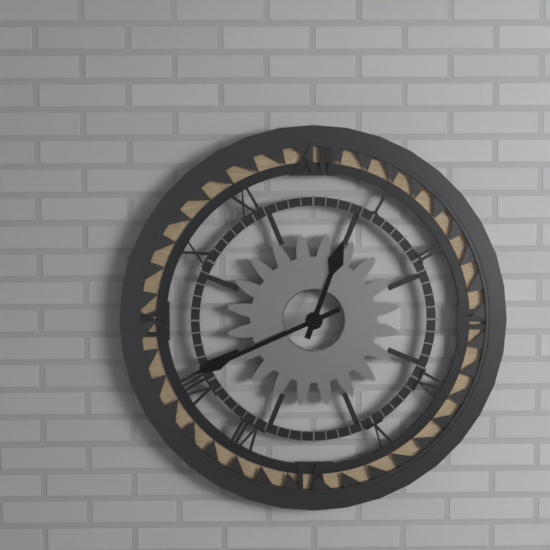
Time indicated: 12:41
